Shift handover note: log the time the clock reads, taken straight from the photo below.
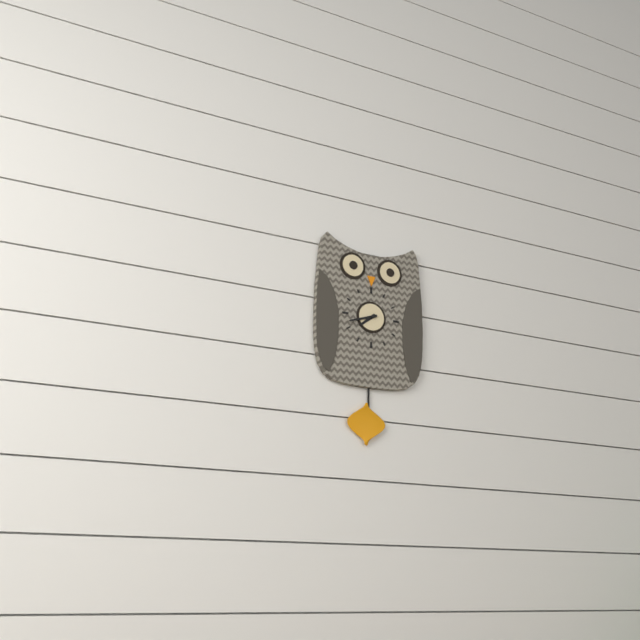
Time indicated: 7:42
